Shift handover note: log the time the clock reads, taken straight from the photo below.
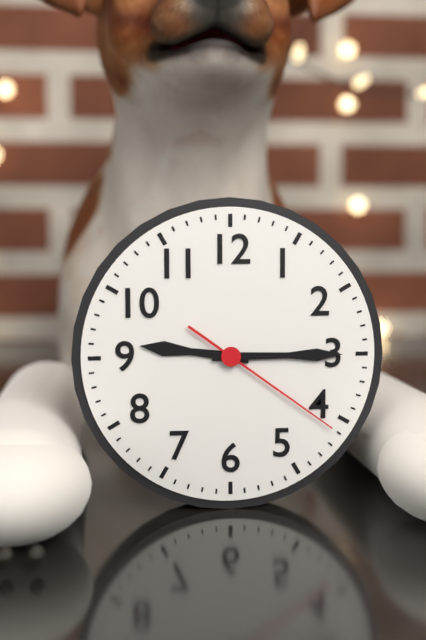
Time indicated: 9:15:21
